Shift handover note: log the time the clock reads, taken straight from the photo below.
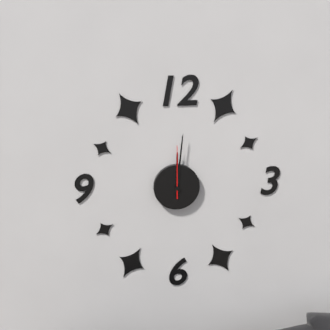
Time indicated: 12:01:00
